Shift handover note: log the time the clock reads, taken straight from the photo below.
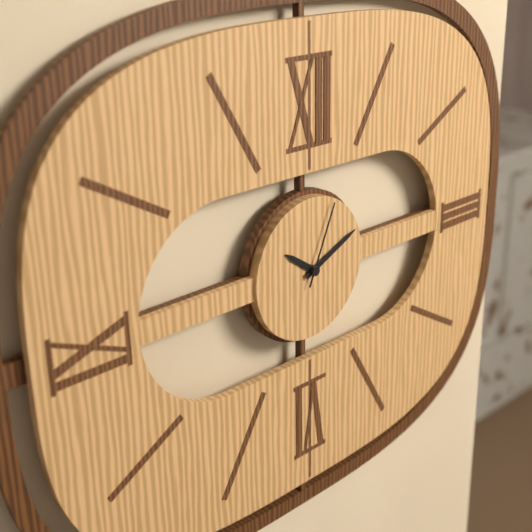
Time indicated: 10:11:04
